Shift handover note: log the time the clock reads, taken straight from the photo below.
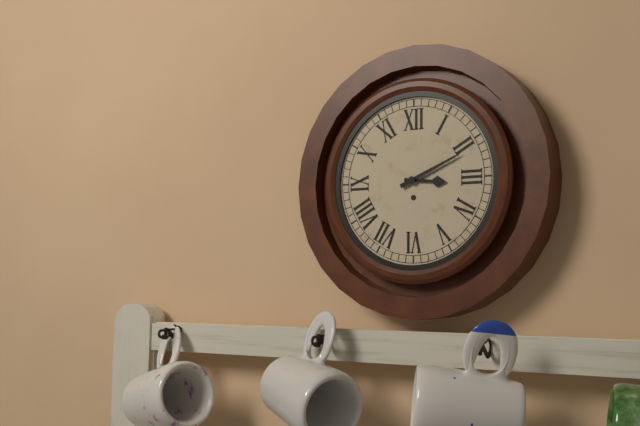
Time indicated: 3:11
